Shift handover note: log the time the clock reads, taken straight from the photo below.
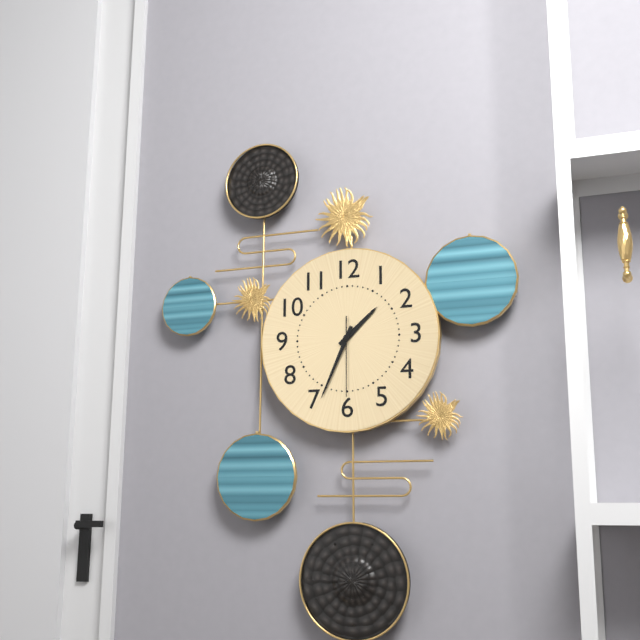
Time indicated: 1:34:30
